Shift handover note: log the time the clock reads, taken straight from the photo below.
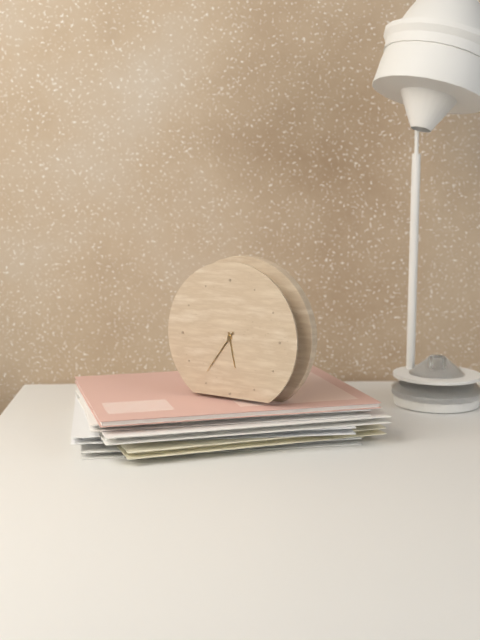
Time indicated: 5:36
